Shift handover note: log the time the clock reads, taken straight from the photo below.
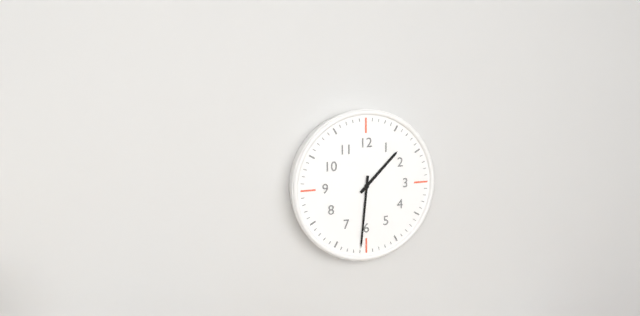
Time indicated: 1:31
